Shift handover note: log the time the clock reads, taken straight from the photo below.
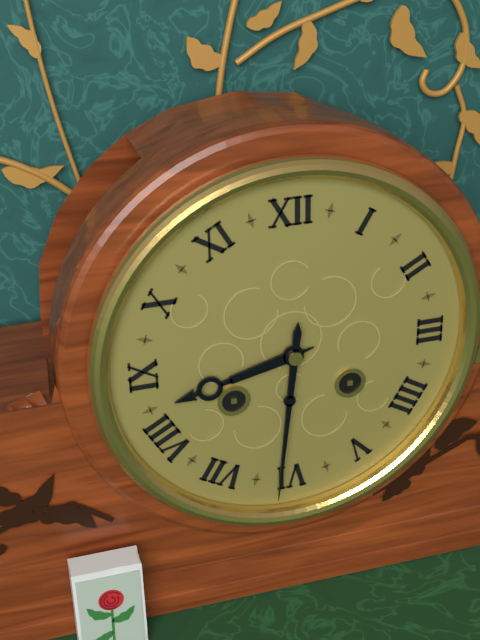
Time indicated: 8:31
